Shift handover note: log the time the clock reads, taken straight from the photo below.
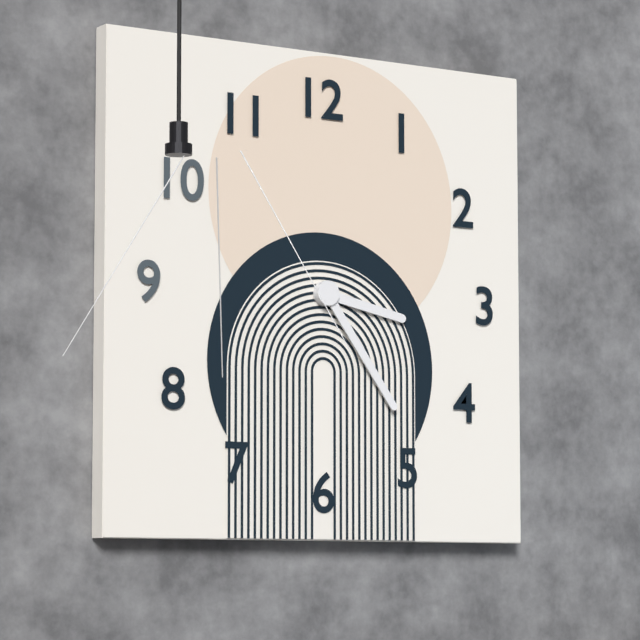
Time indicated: 3:24
